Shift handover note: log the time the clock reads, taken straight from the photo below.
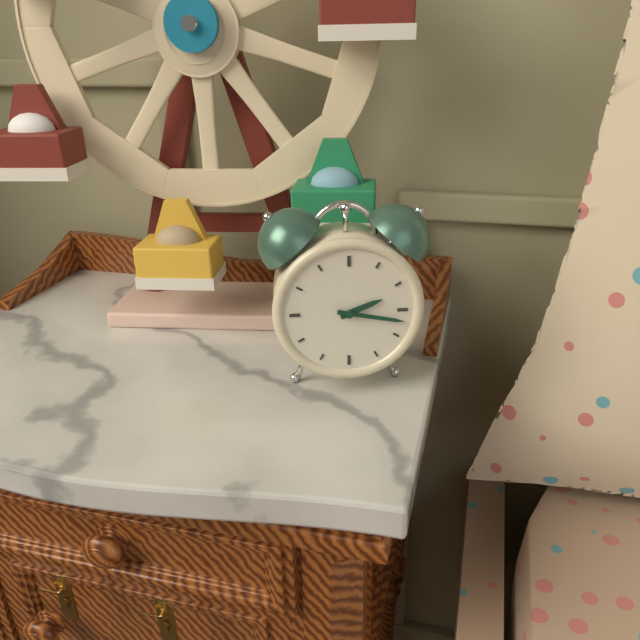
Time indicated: 2:17
